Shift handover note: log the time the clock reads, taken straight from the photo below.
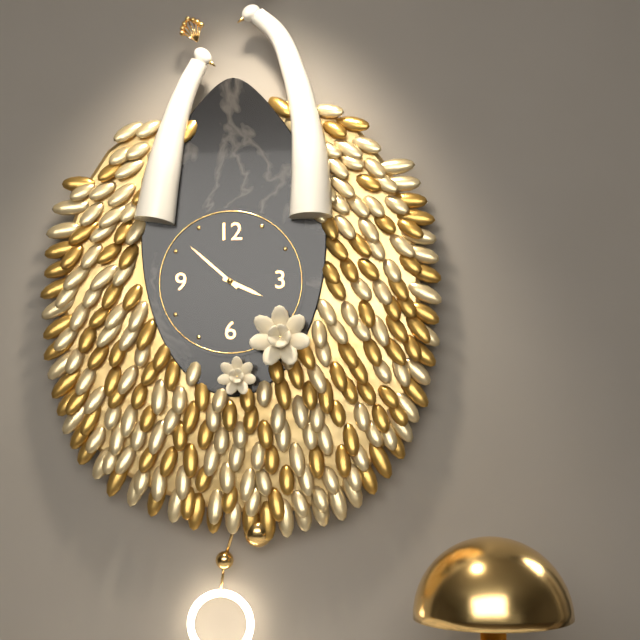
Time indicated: 3:52
